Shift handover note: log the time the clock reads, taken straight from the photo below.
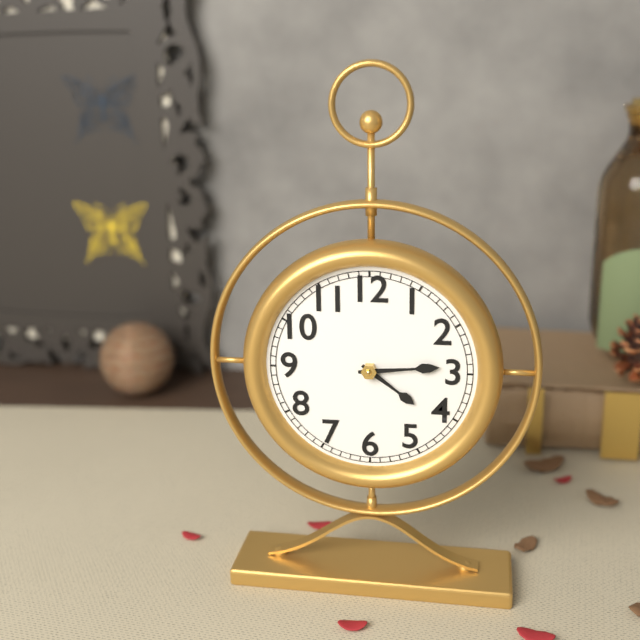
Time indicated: 4:14
